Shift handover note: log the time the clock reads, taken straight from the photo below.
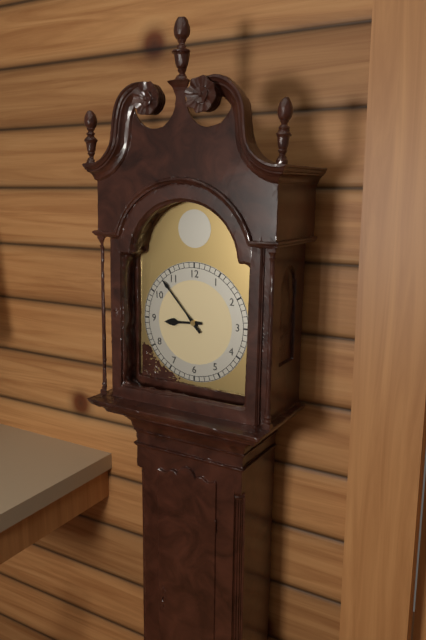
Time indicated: 8:53
